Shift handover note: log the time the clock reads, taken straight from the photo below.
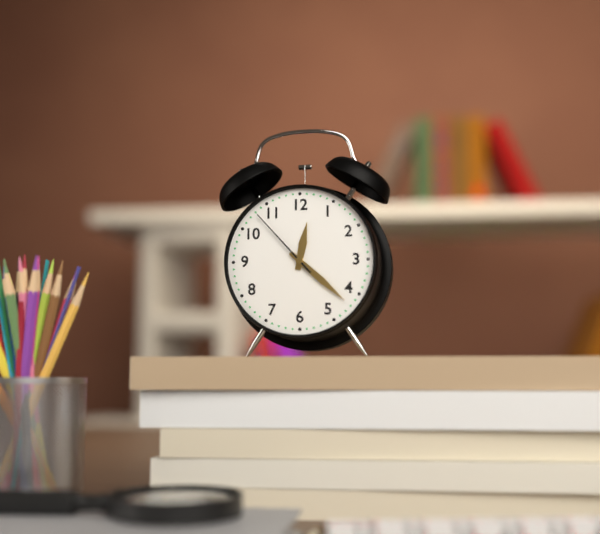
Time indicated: 12:22:53
